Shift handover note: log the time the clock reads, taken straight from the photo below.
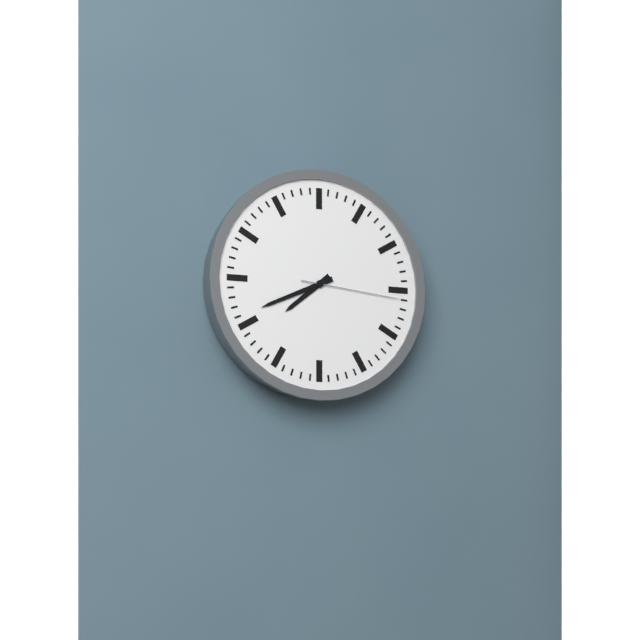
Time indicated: 7:41:16
